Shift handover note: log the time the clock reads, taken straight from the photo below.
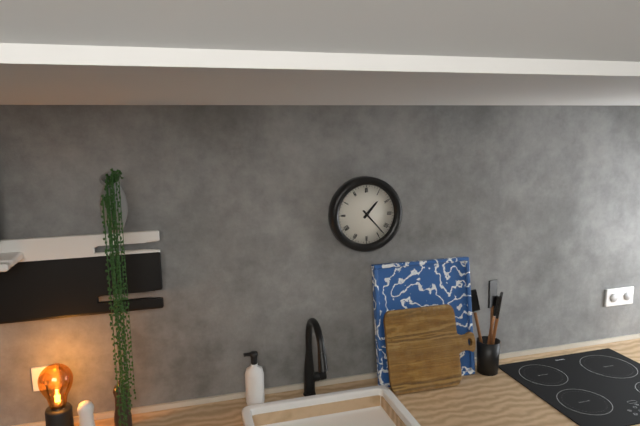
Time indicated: 1:23
